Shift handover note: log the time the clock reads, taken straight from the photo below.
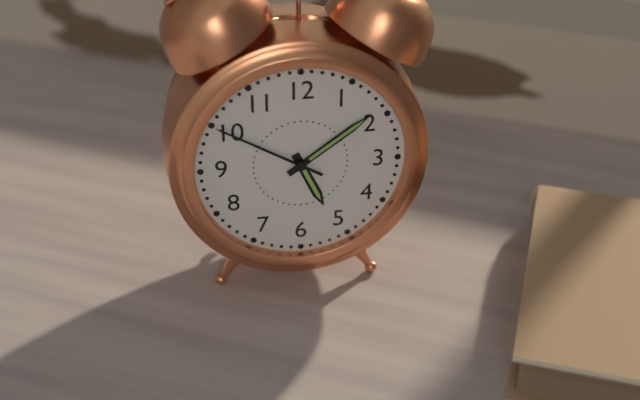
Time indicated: 5:09:50
